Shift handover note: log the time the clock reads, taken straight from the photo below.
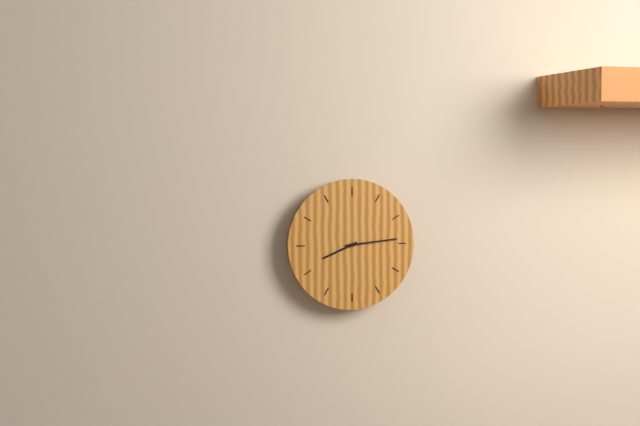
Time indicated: 8:14
